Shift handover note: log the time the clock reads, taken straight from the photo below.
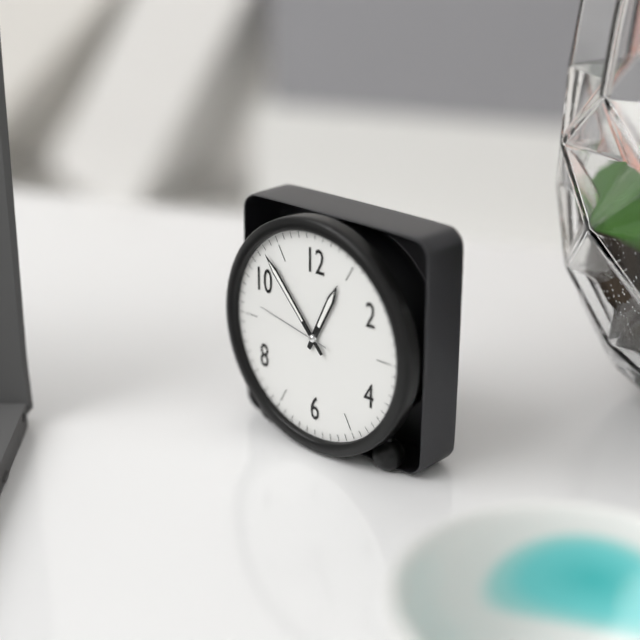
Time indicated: 12:53:47
